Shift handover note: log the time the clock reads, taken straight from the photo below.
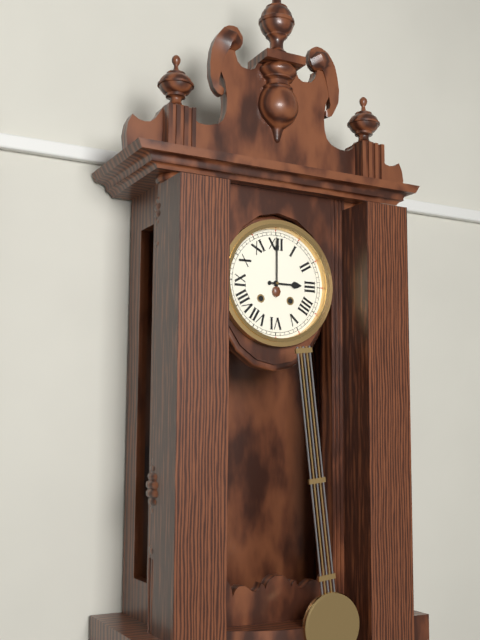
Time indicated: 3:00
